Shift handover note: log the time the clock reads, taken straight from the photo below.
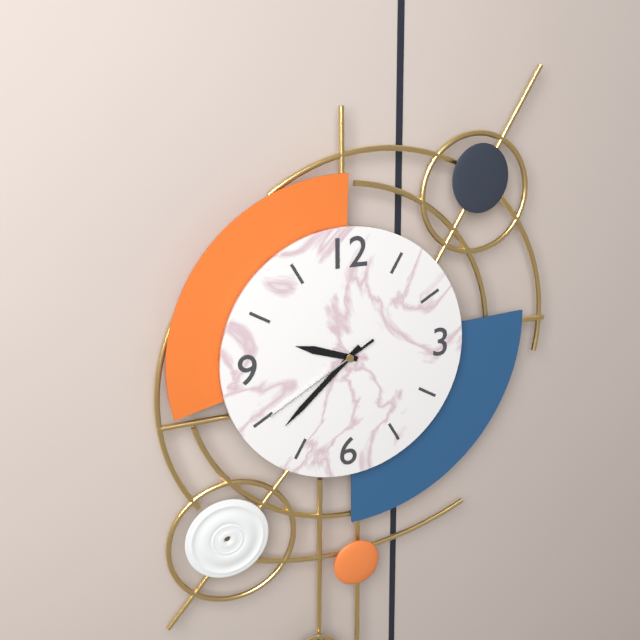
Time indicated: 9:38:40
